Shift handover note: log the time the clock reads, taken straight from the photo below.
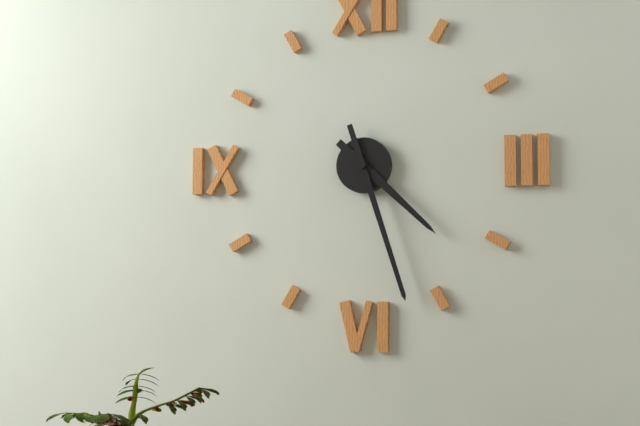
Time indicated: 4:27
